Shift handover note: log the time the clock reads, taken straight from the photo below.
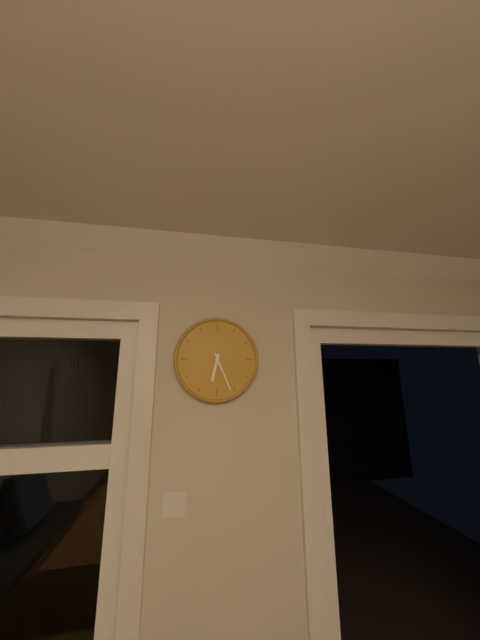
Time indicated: 6:26
